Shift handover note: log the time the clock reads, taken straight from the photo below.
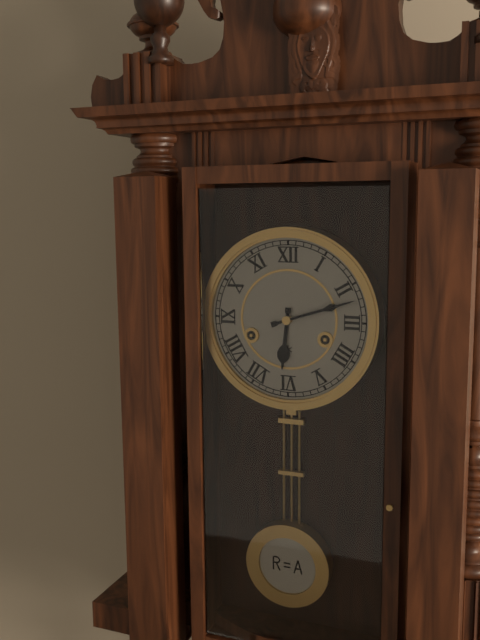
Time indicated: 6:12
